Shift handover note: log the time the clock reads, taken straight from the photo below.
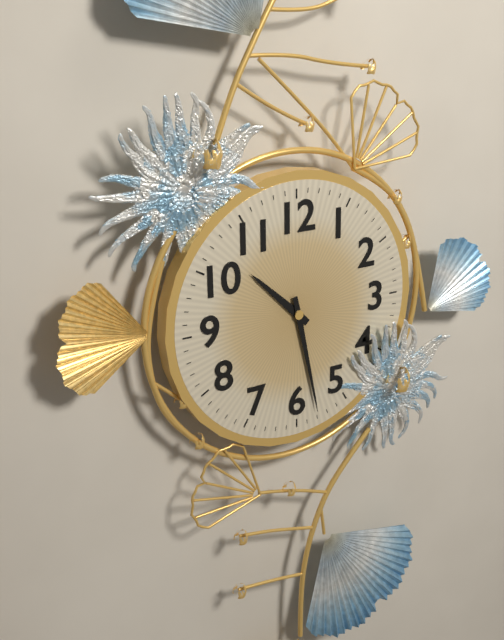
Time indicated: 10:28
